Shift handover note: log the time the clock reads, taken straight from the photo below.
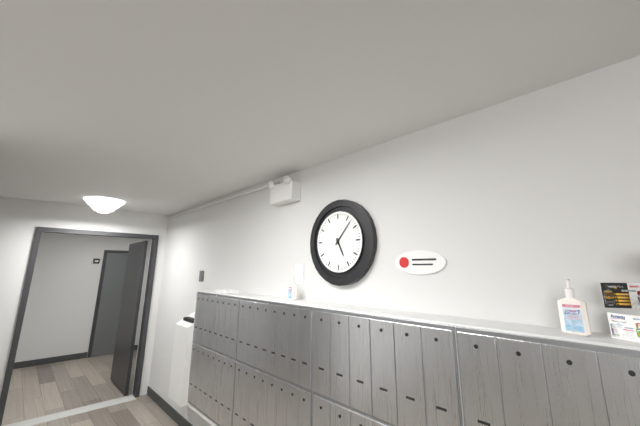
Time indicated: 5:07
